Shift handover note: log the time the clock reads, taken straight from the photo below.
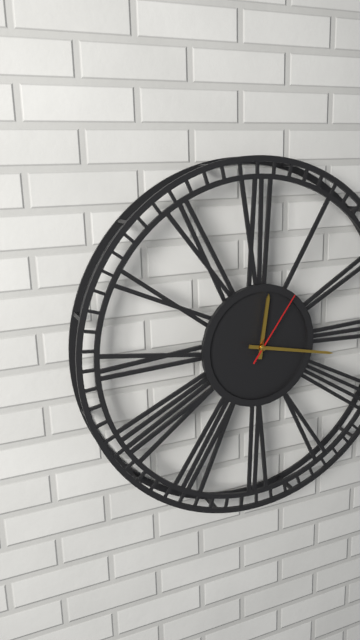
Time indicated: 12:17:06
